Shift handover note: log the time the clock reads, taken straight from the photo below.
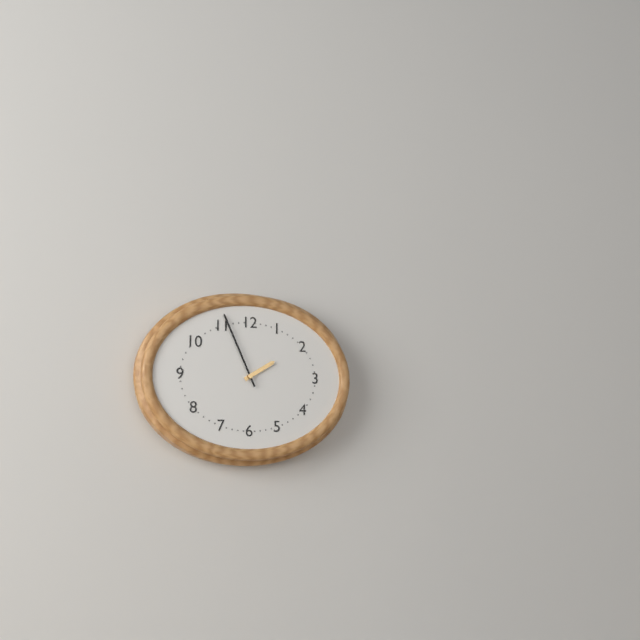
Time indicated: 1:56
